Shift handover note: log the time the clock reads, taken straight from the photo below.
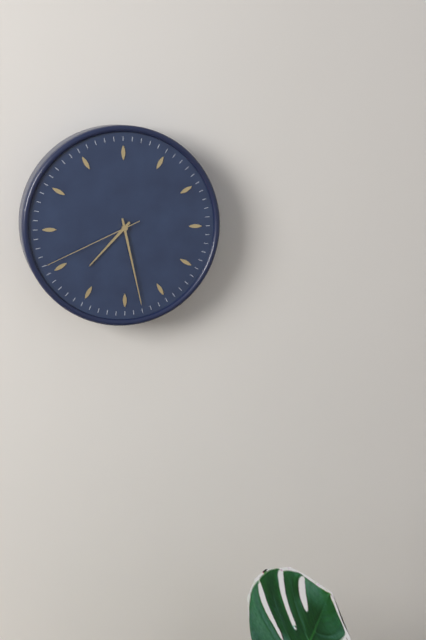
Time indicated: 7:28:41
